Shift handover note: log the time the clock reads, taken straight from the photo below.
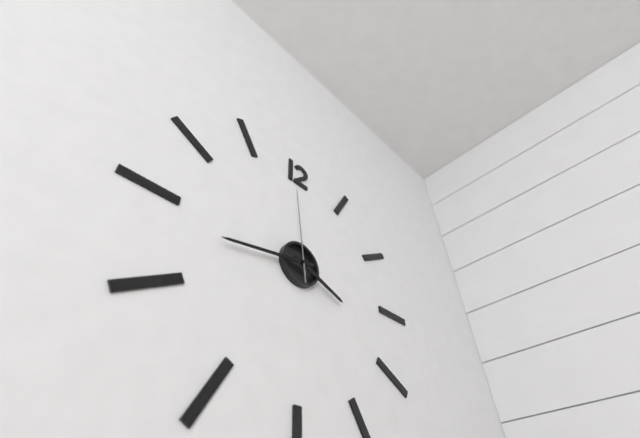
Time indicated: 3:43:59
